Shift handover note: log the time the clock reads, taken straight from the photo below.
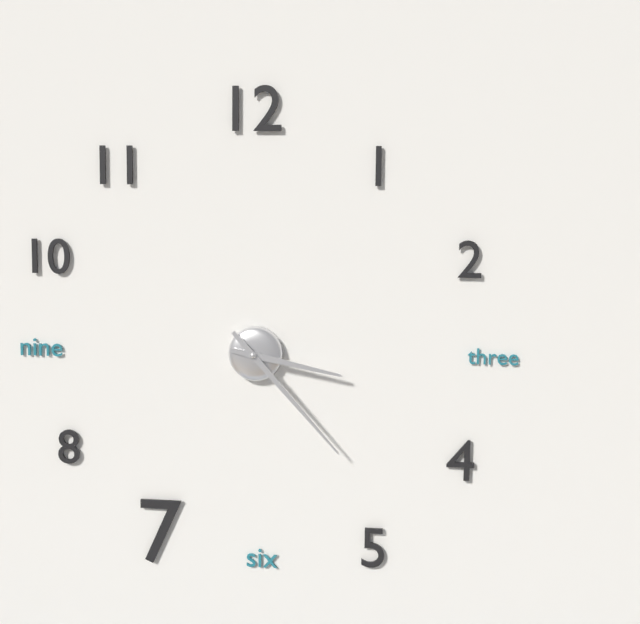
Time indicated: 3:23
